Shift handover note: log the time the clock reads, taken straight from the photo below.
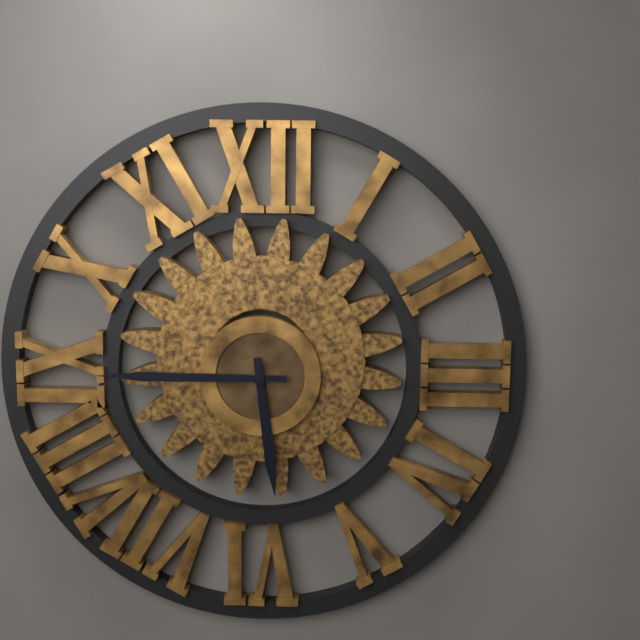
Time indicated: 5:45
